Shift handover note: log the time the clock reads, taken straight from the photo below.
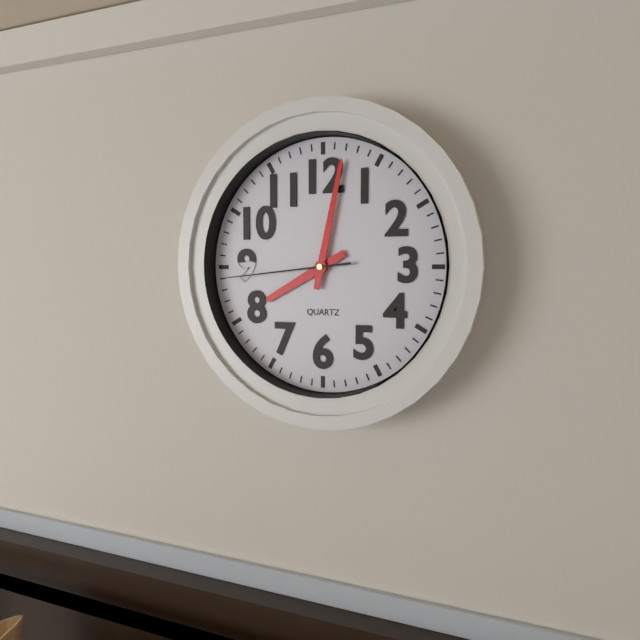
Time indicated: 8:02:44
